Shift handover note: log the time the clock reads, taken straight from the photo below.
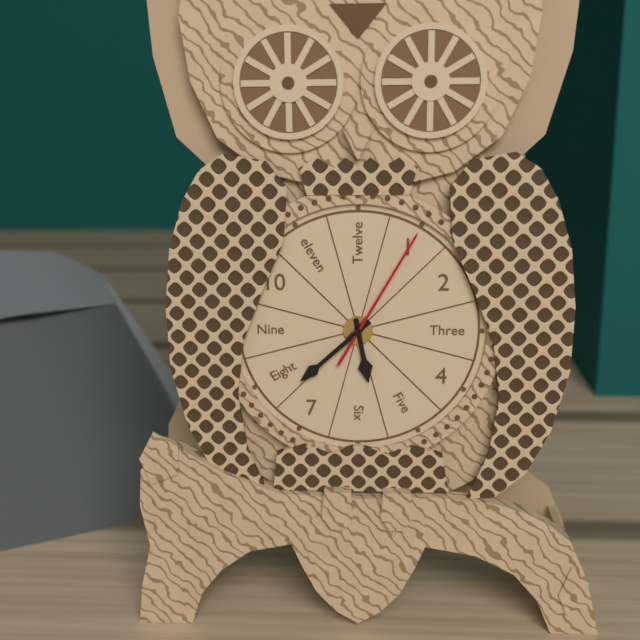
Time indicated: 5:38:05
